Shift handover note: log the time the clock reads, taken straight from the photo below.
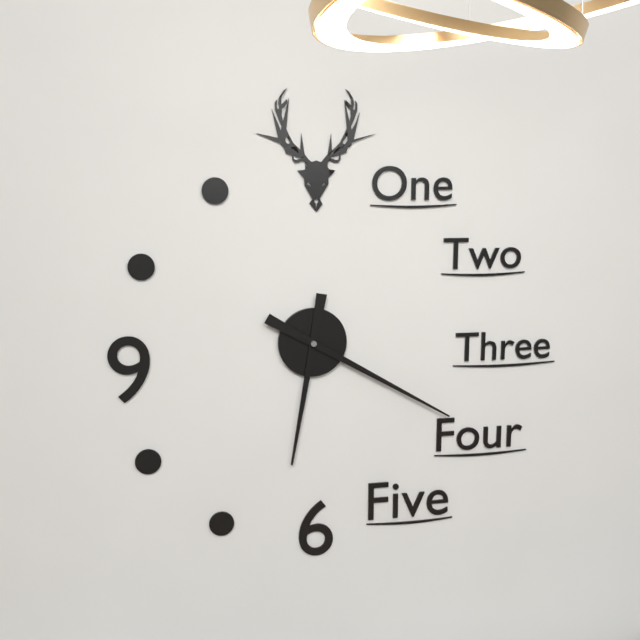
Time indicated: 6:20
